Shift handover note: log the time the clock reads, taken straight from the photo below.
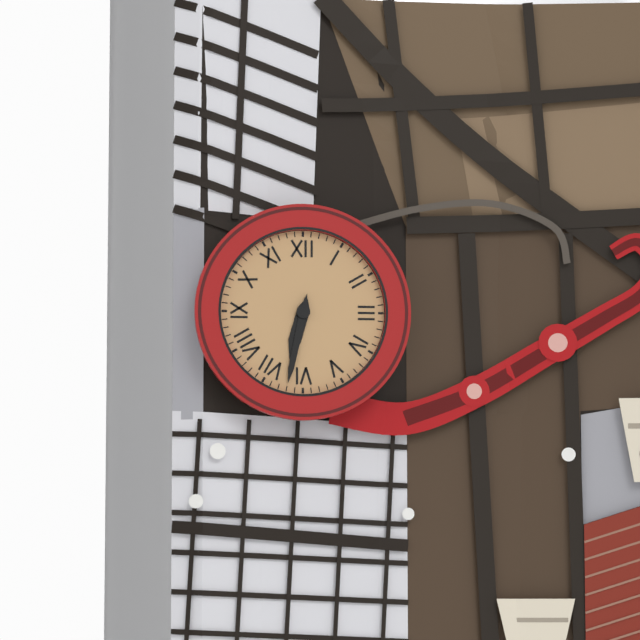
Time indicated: 6:32
